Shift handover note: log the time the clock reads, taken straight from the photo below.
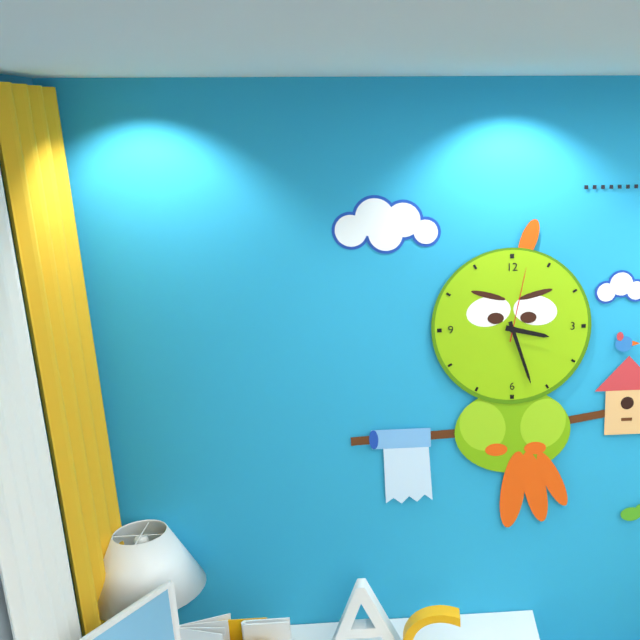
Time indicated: 3:27:02
